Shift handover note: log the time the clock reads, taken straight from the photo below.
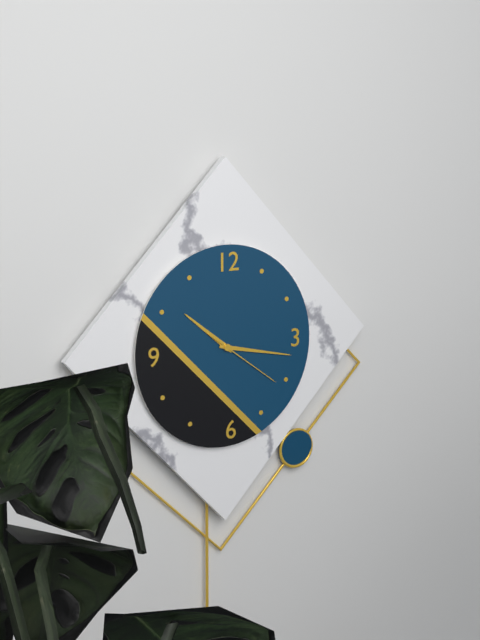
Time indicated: 10:17:21
